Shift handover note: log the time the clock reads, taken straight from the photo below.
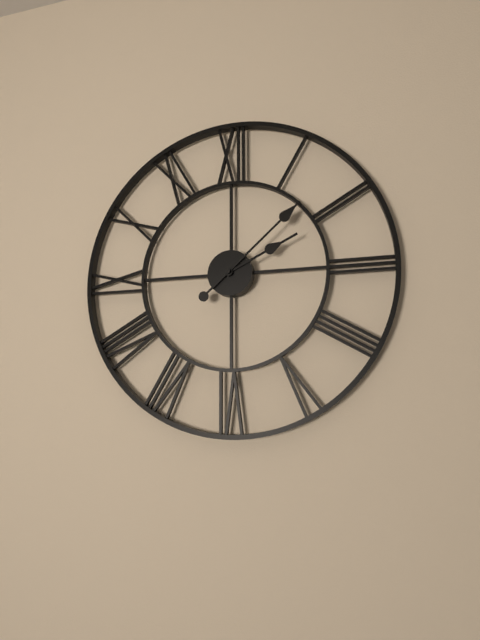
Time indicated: 2:08
